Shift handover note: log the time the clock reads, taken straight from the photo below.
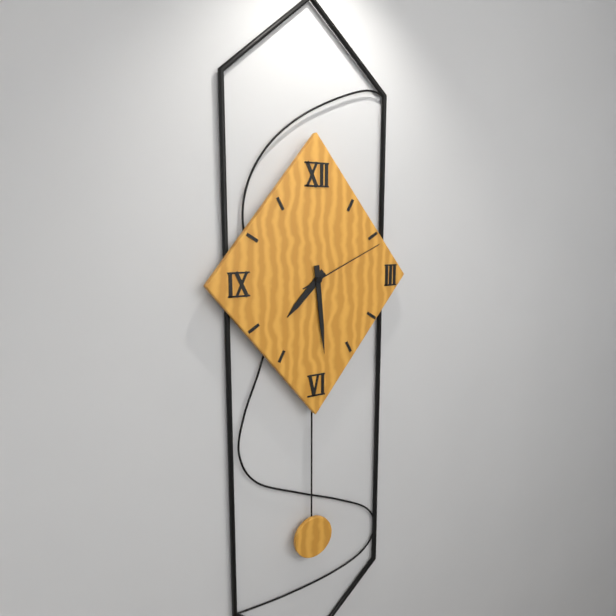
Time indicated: 7:29:11
